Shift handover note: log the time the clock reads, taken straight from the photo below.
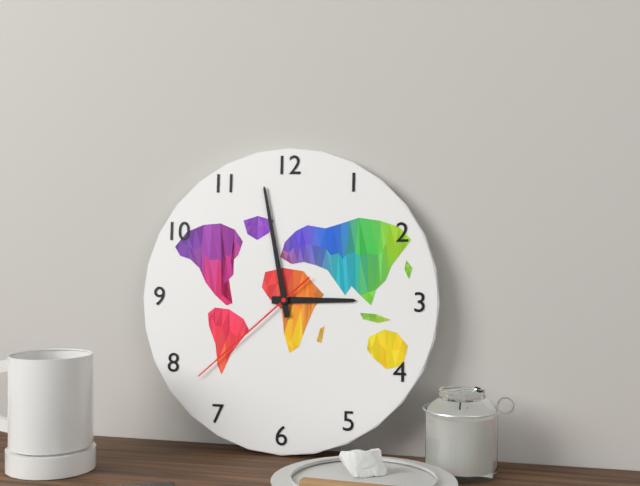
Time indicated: 2:58:38
